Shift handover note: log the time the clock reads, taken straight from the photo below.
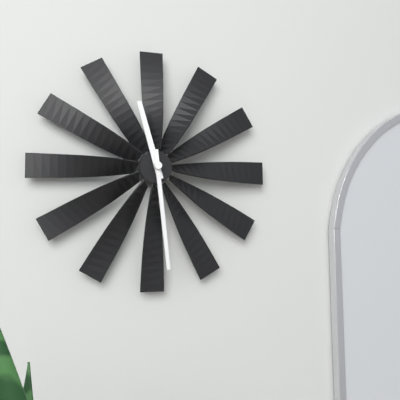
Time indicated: 11:29
